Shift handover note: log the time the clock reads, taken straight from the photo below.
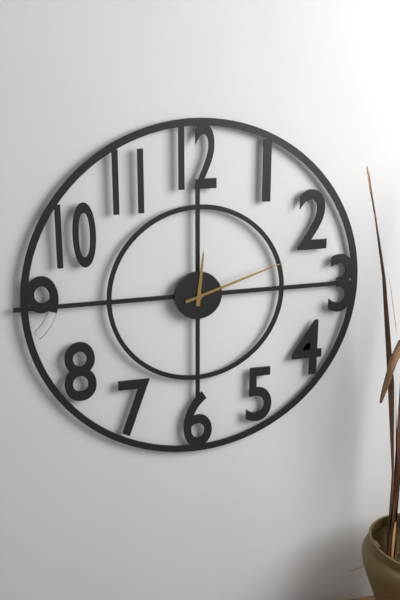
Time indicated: 12:12
